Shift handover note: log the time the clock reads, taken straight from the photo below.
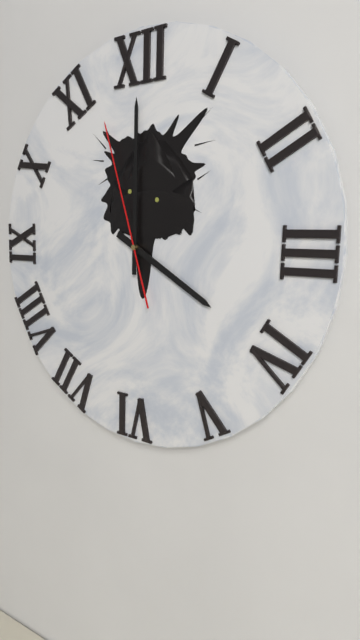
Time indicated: 4:00:57
